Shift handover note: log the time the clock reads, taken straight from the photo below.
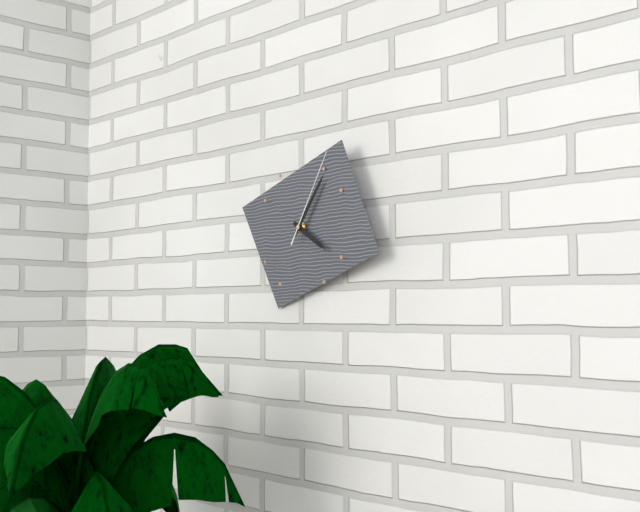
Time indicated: 4:06:05
